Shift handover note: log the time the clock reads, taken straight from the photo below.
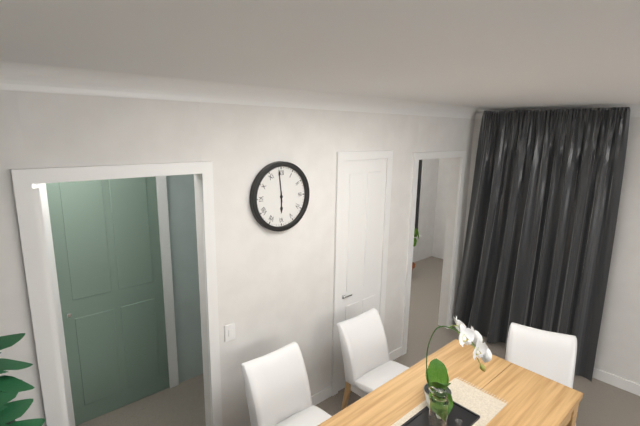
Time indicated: 5:59
